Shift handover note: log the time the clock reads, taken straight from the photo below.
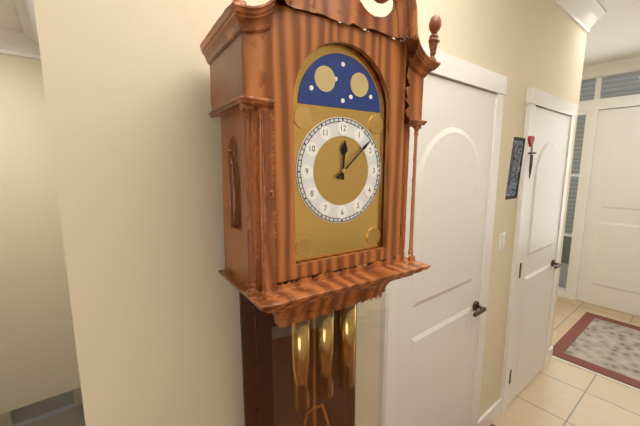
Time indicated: 12:08
